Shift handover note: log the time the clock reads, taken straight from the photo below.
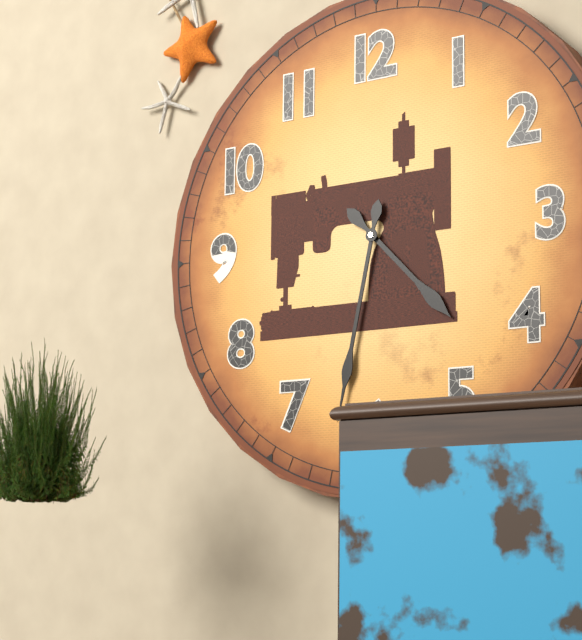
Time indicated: 4:32
